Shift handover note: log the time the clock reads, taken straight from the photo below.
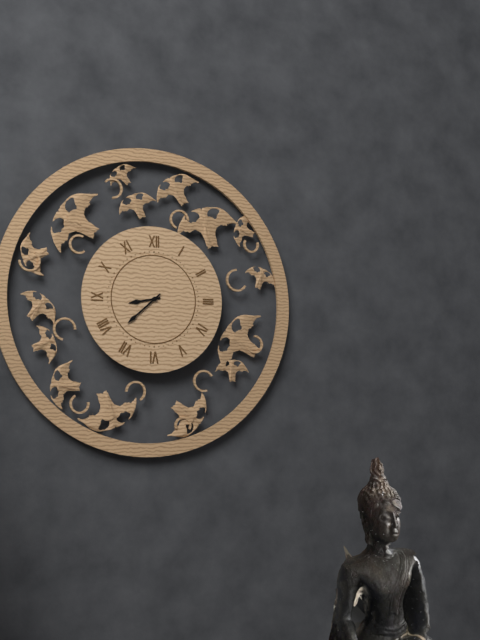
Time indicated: 8:38
